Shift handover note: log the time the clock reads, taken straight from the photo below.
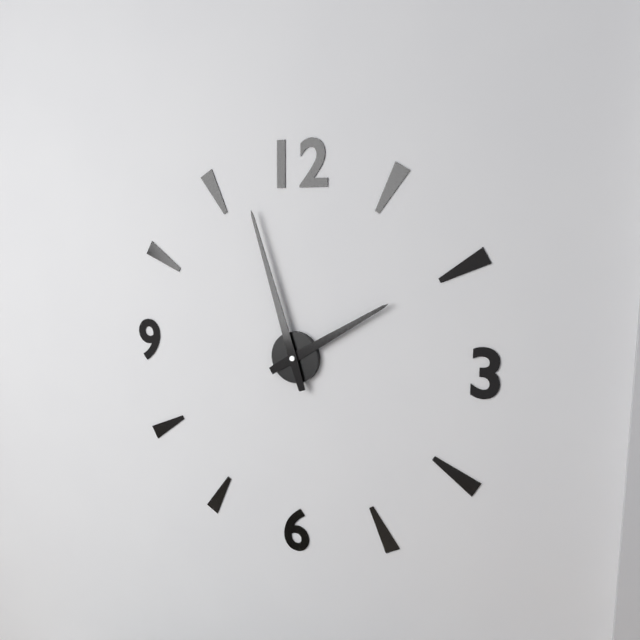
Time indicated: 1:57
